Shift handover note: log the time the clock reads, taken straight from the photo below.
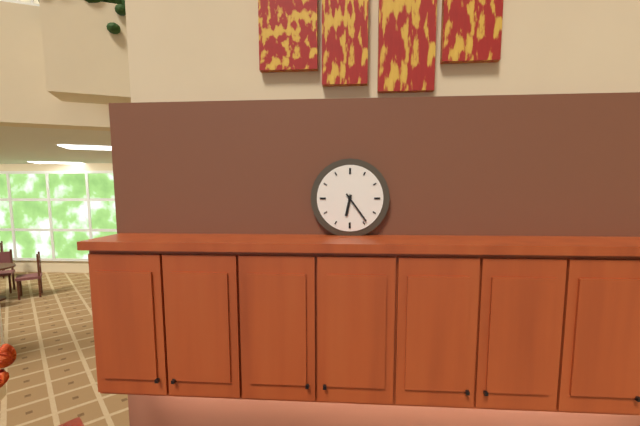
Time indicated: 6:24
